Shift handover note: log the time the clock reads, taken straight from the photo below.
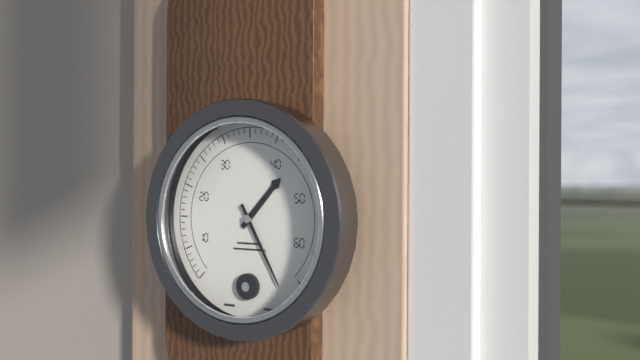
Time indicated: 1:25
